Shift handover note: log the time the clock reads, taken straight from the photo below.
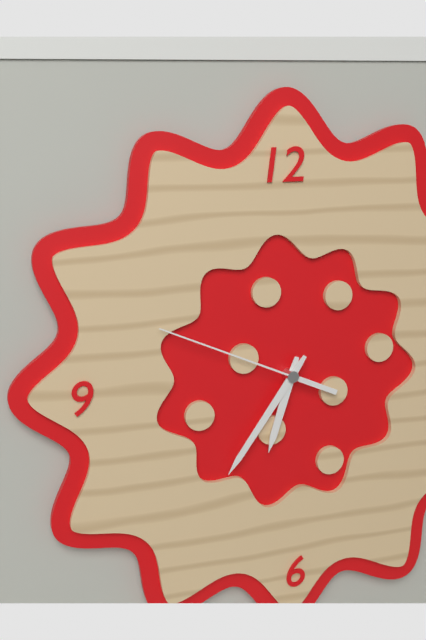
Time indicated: 6:36:49
